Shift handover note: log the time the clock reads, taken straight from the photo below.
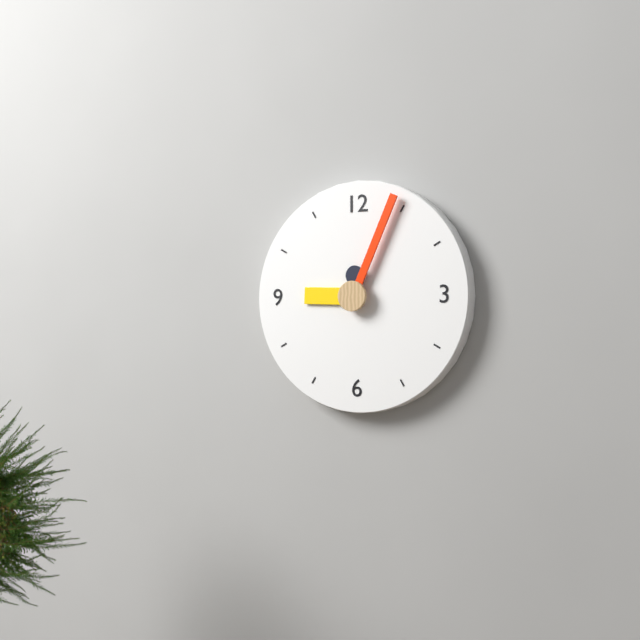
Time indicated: 9:04
